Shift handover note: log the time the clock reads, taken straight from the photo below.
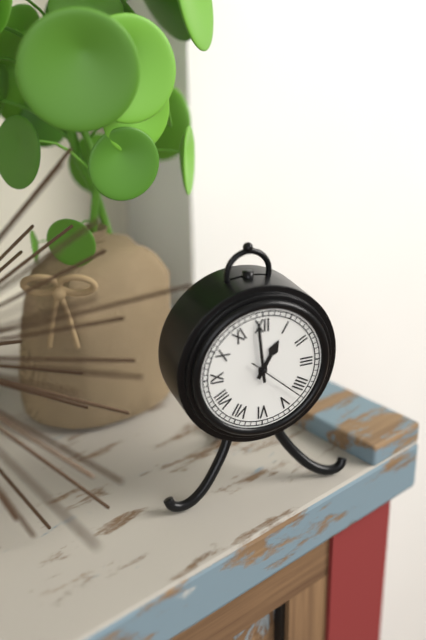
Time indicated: 12:59:22
